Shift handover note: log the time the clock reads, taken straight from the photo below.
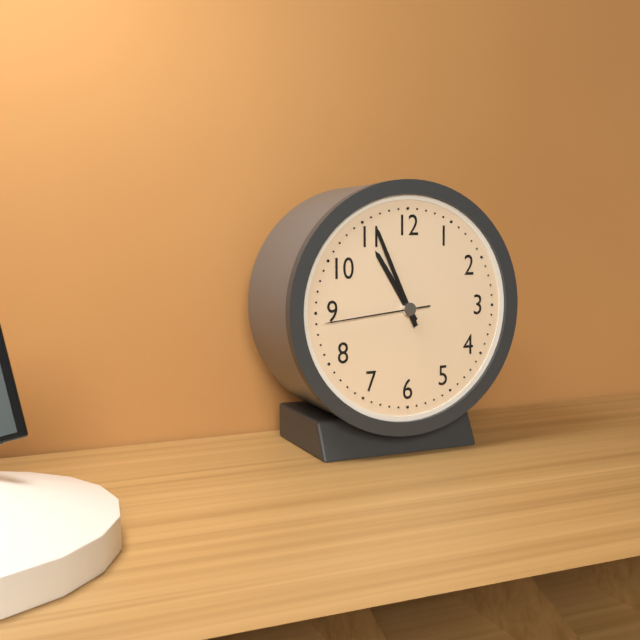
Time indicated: 10:56:44
